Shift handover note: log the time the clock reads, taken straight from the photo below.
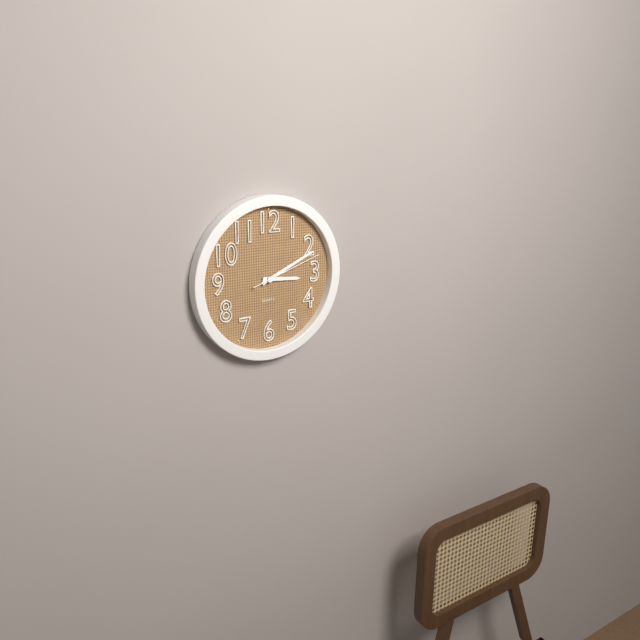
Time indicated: 3:11:12
